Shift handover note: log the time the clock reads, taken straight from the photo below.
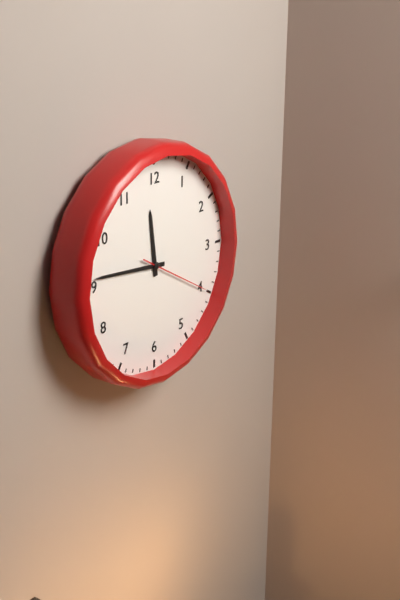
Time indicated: 11:46:20
